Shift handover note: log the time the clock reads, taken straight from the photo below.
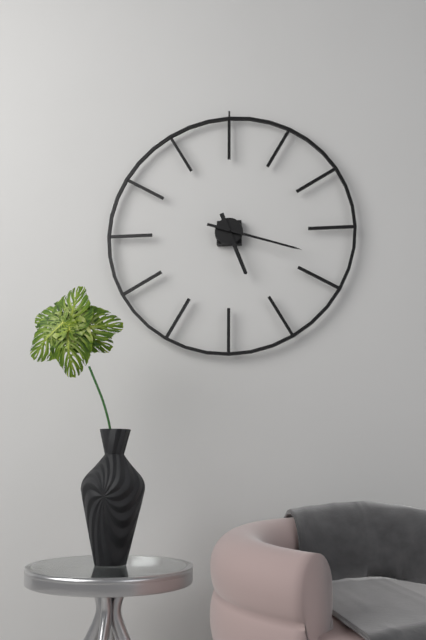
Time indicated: 5:18
